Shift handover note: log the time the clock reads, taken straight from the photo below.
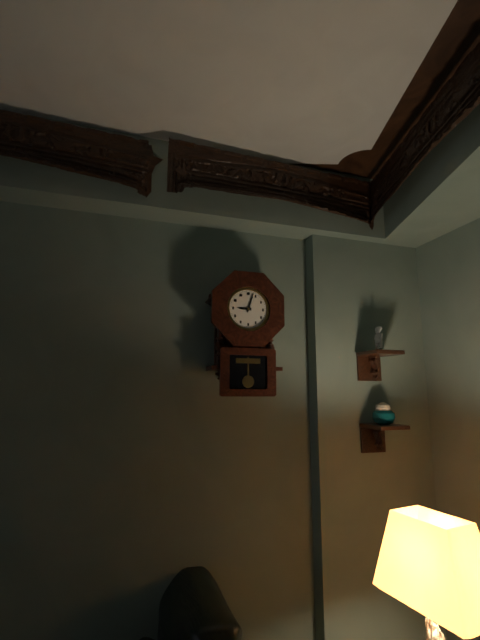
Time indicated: 9:03
